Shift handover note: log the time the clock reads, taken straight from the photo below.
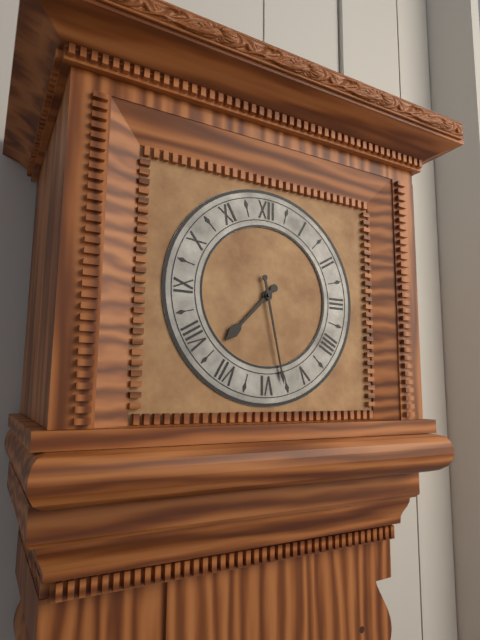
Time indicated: 7:28
